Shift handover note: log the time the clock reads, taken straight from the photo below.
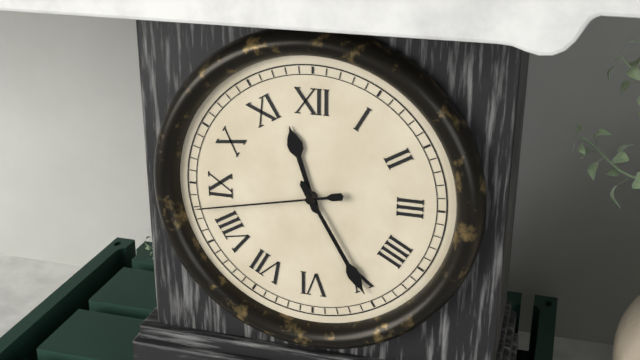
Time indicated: 11:25:43
